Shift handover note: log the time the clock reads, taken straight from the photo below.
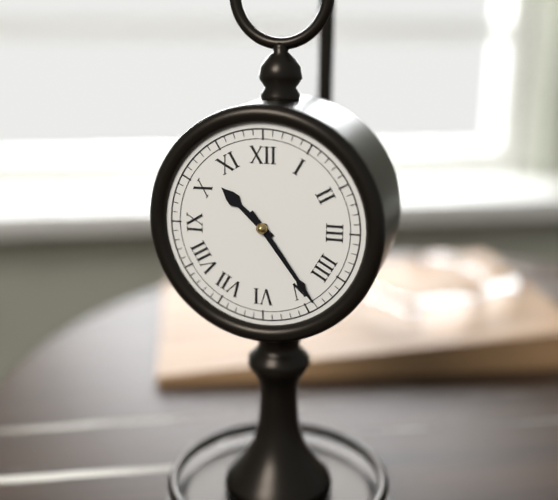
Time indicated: 10:24
